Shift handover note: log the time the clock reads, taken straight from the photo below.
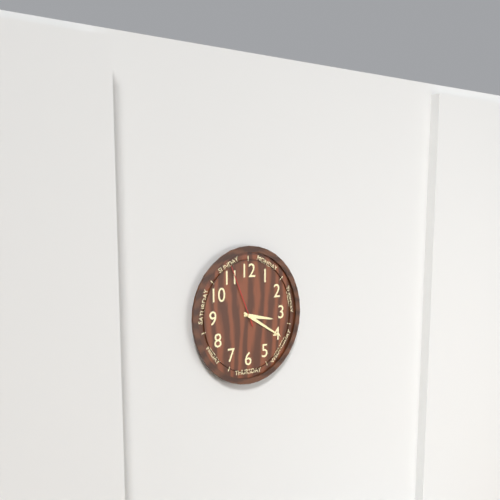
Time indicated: 3:20:56
